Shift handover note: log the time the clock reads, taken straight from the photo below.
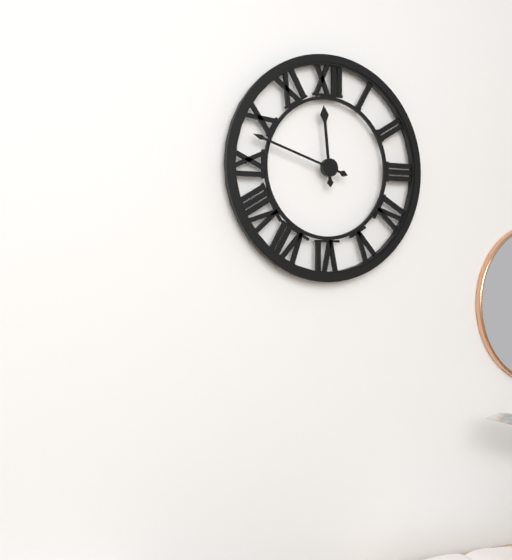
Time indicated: 11:48
